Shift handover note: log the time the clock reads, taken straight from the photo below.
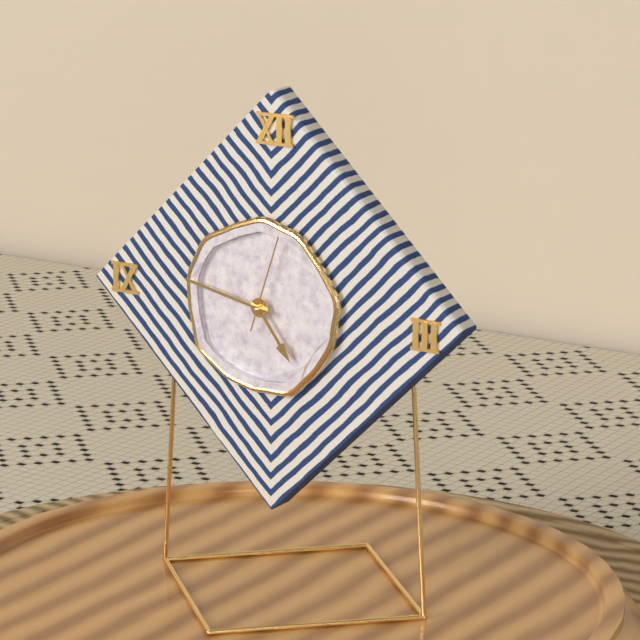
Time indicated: 4:47:03
